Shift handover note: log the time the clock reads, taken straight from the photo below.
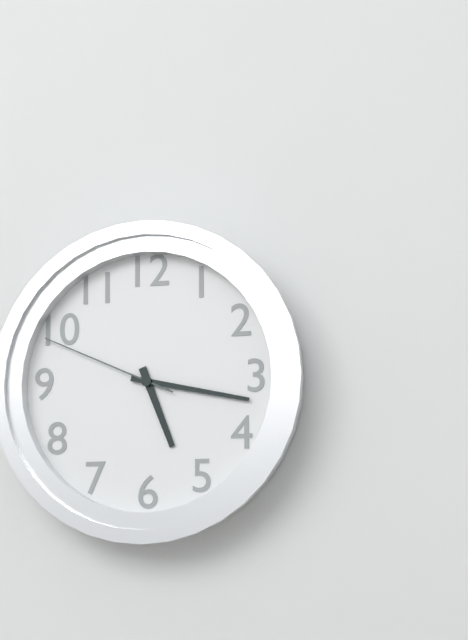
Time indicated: 5:17:49
